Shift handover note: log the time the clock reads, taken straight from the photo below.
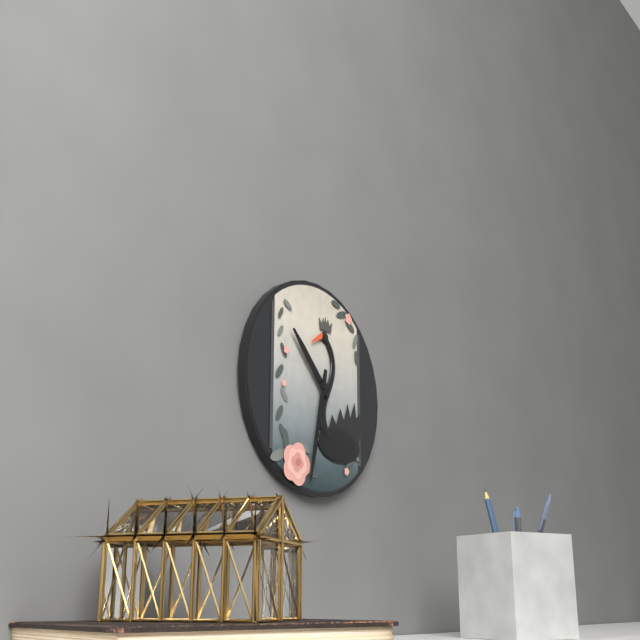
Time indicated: 10:32
